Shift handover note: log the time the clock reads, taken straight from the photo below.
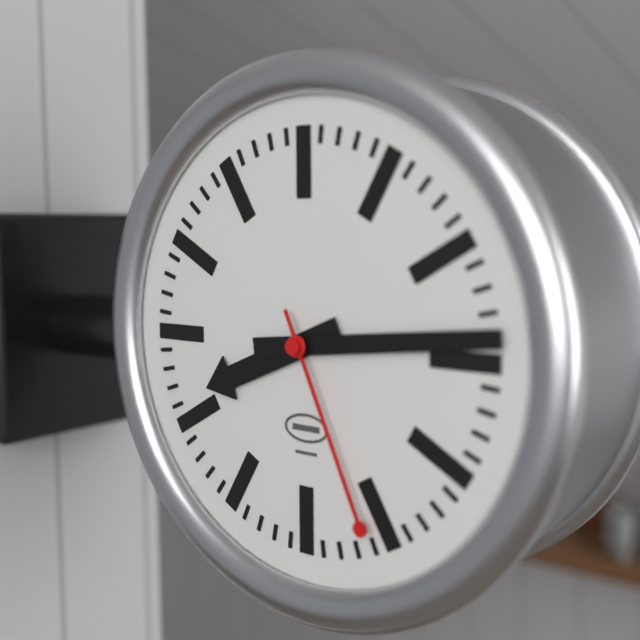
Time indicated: 8:14:26
